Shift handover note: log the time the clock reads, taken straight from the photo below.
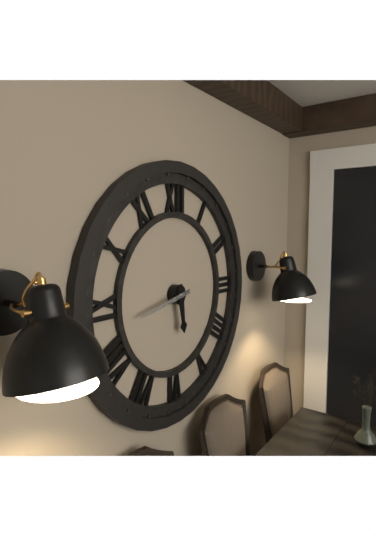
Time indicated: 5:43
